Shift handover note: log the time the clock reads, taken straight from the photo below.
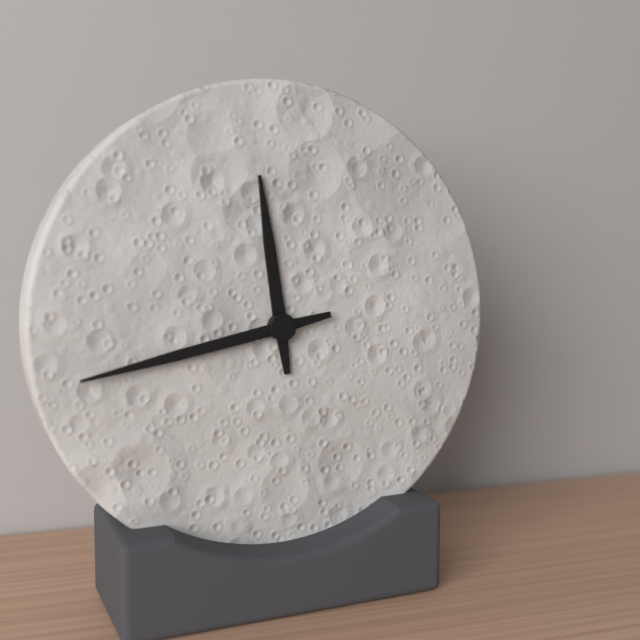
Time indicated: 11:43
